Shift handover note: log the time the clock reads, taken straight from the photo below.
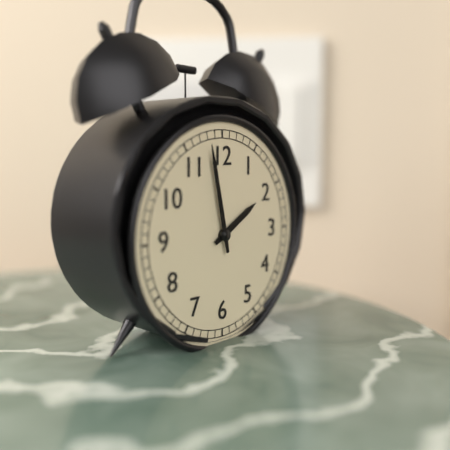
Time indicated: 1:58
